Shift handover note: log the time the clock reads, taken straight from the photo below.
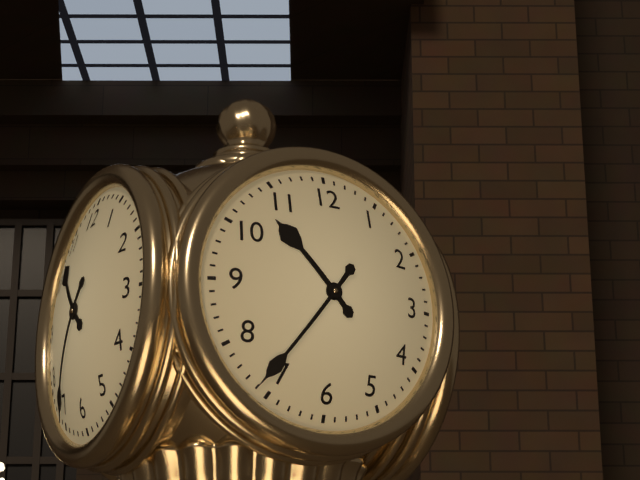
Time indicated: 10:36
